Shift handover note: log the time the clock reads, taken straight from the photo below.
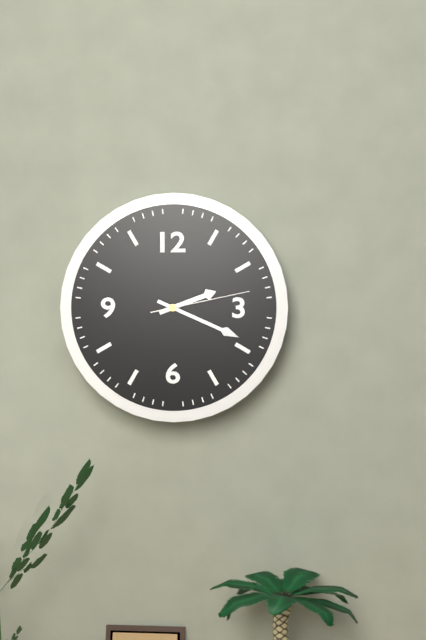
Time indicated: 2:19:13
